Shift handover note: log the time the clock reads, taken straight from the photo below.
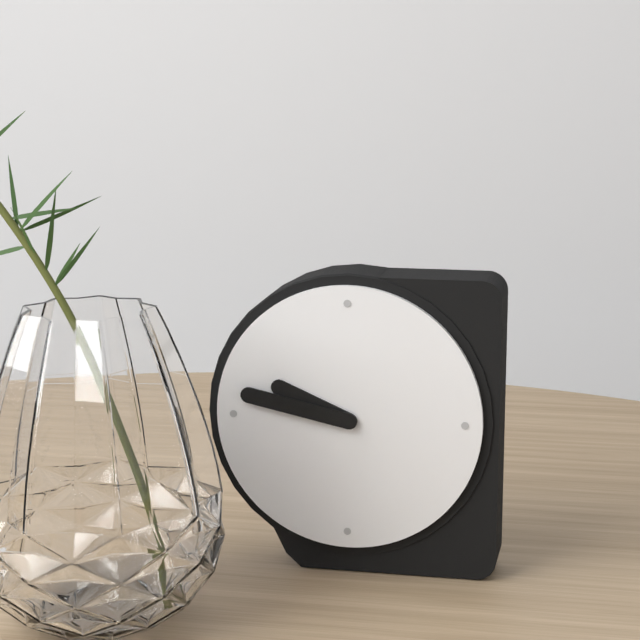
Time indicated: 9:47
